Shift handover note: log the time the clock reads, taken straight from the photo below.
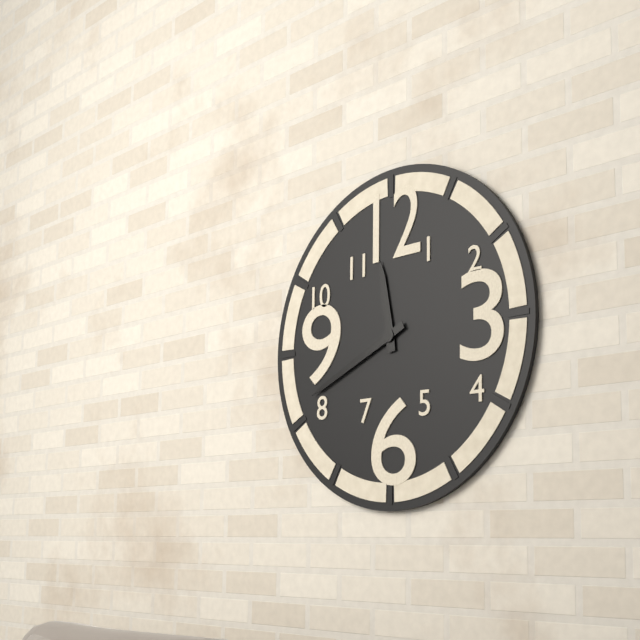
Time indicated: 11:41
